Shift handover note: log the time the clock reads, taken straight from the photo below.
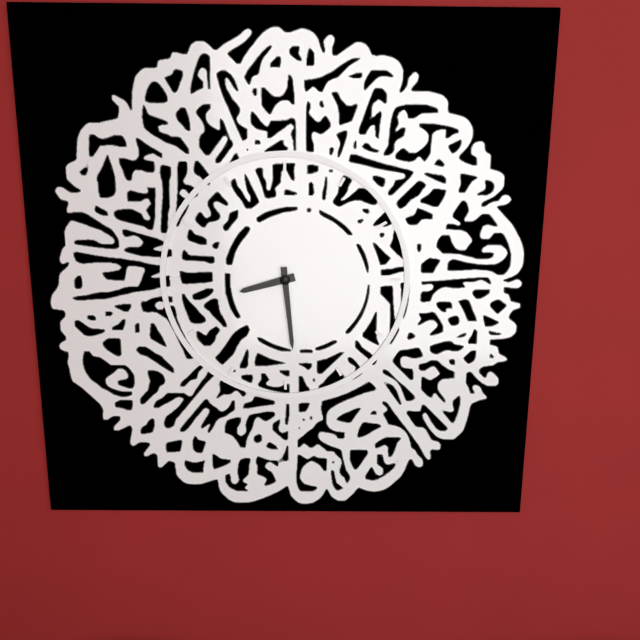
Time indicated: 8:29
